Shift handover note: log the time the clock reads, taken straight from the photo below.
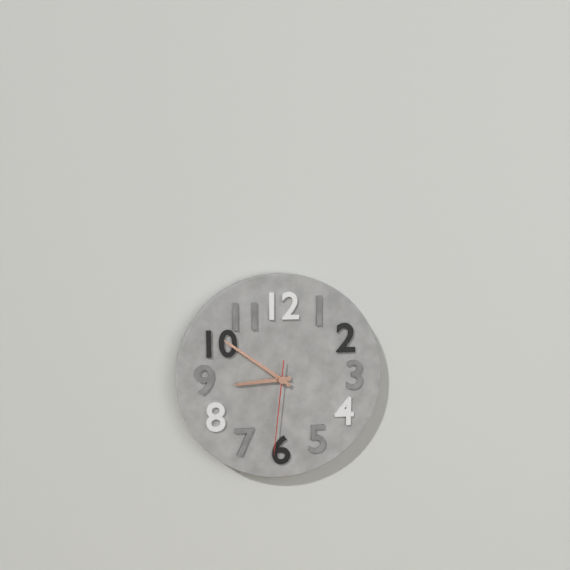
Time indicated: 8:51:31
